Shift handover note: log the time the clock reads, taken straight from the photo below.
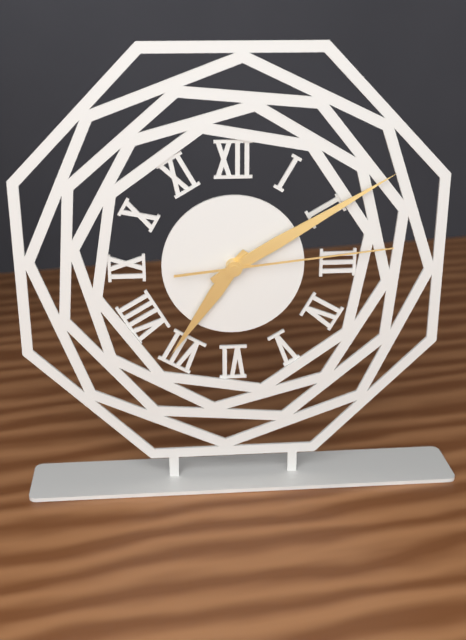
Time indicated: 7:10:14
